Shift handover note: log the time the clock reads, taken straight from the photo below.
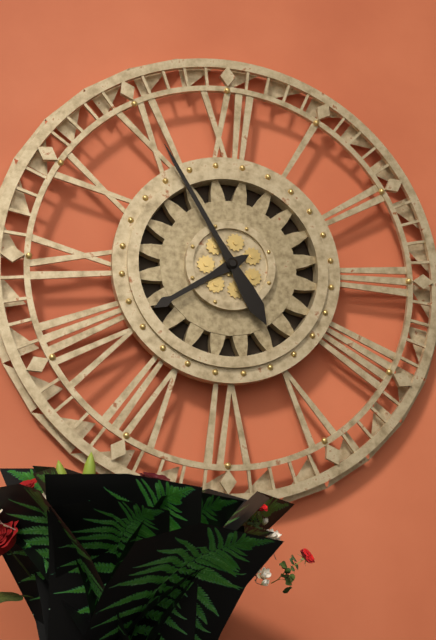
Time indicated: 7:55
